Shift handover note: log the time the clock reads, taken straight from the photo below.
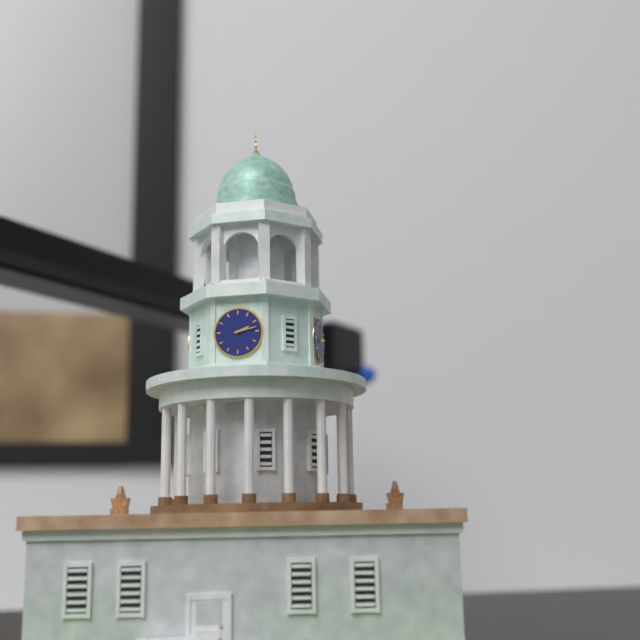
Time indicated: 2:13
